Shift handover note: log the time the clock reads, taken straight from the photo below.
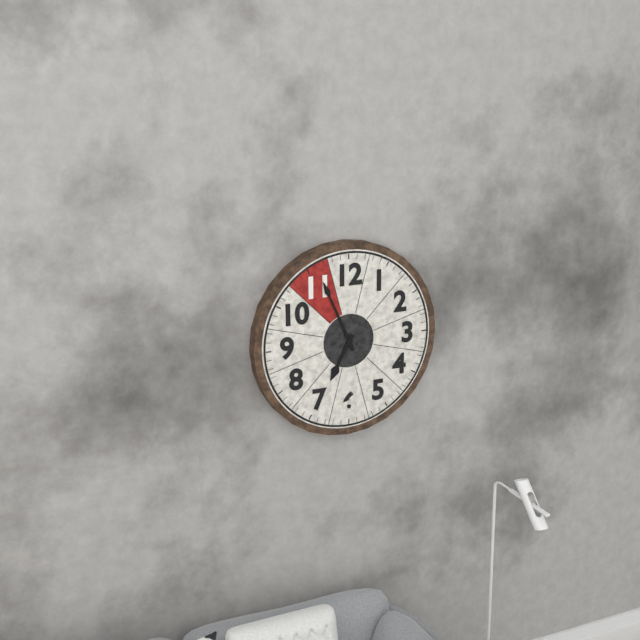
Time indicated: 6:56
